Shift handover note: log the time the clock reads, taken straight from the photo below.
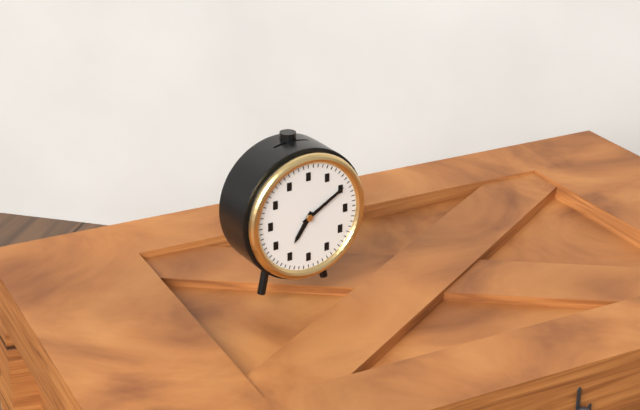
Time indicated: 7:10
